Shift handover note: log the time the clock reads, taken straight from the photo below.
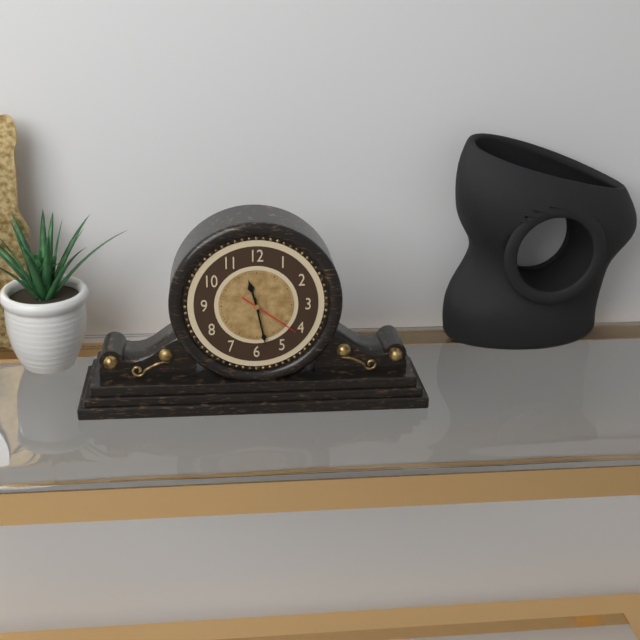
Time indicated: 11:28:21
